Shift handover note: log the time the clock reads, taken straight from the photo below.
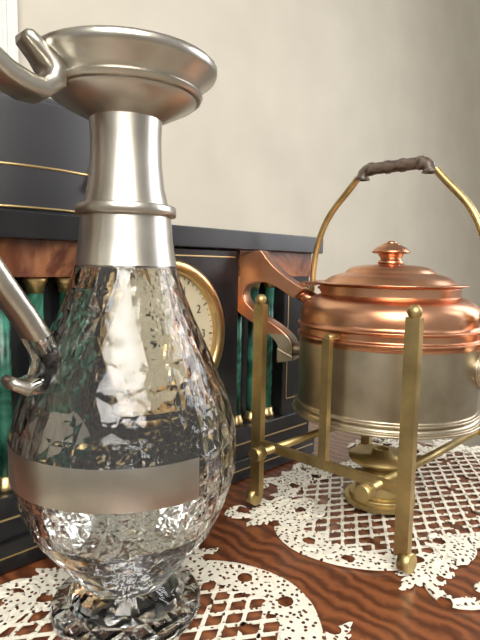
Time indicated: 11:57
